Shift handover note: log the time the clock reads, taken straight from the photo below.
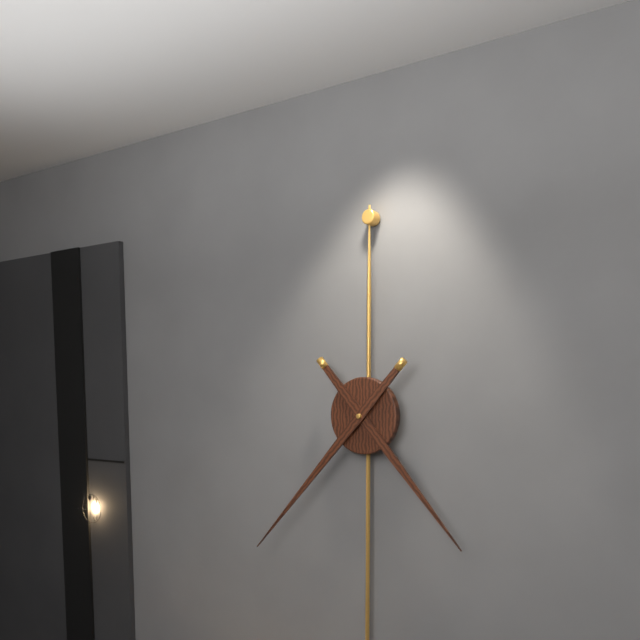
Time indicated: 4:37
